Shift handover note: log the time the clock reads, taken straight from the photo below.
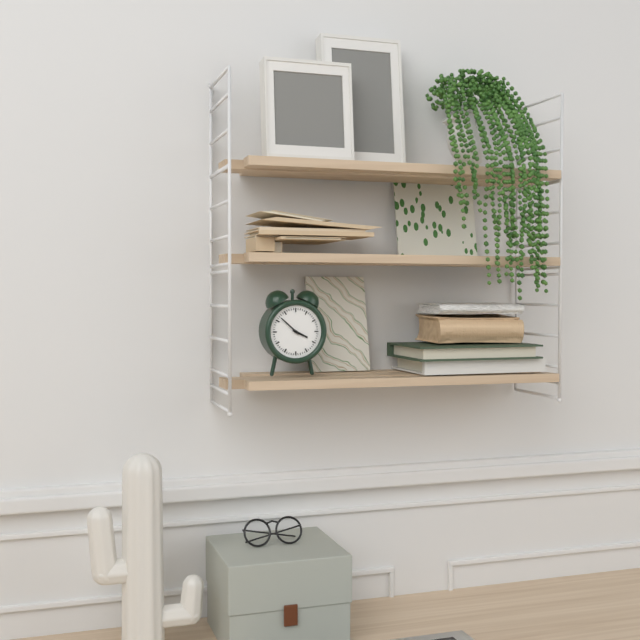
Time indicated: 3:52
